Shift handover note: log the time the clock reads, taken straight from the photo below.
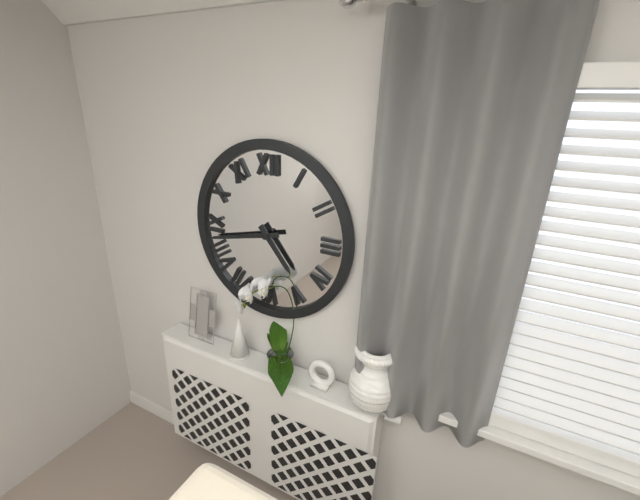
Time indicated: 4:43
